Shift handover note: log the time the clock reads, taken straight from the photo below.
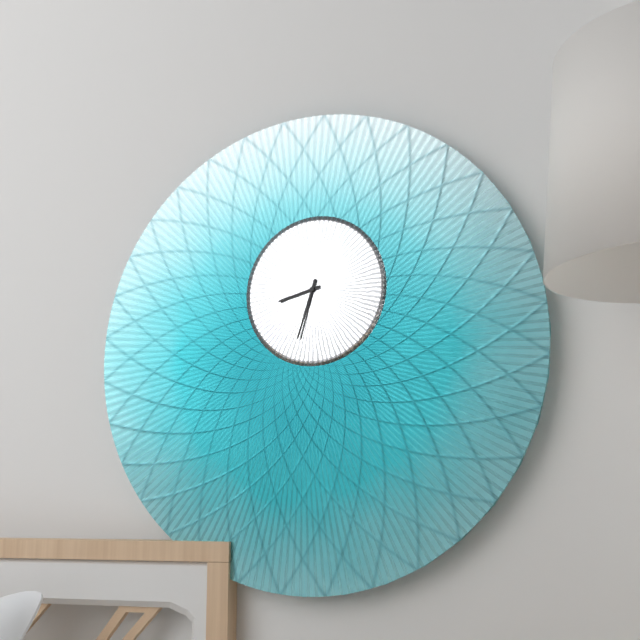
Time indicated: 8:33
